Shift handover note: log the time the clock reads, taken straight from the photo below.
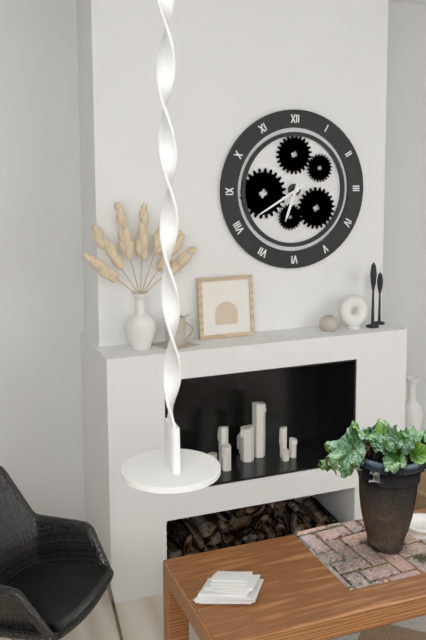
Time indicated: 6:40
